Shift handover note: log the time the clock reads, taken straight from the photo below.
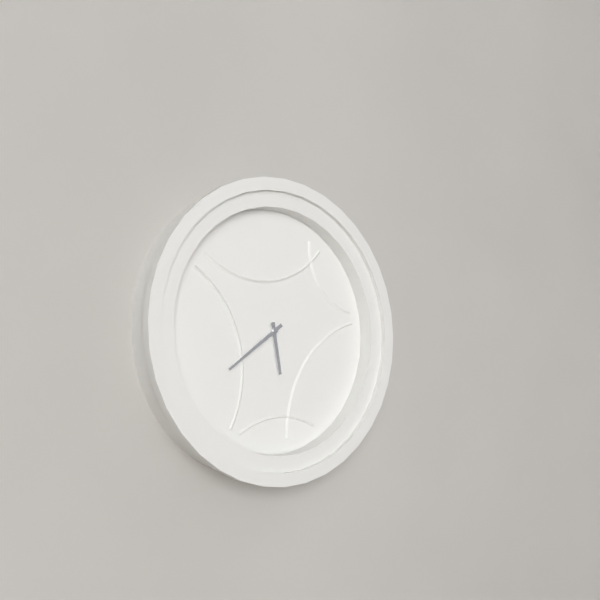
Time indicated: 5:39
